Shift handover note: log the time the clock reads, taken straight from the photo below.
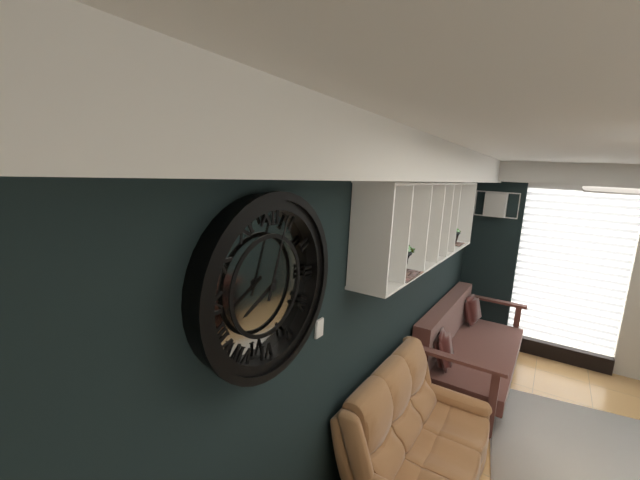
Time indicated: 8:03
